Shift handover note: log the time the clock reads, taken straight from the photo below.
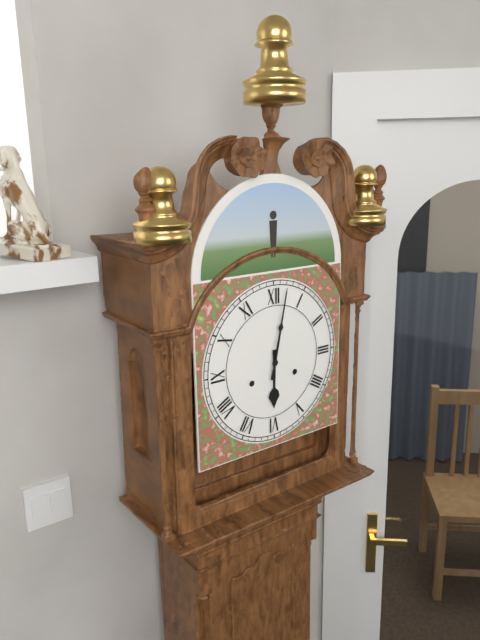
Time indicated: 6:02
